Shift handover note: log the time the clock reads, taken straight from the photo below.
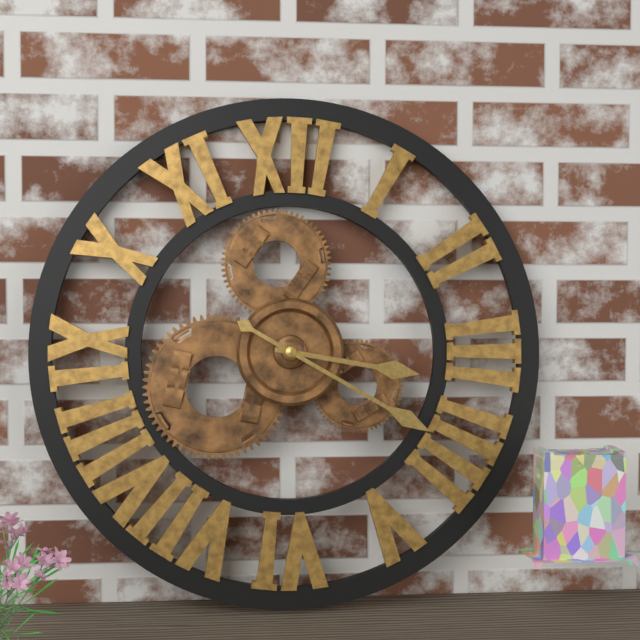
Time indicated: 3:20
